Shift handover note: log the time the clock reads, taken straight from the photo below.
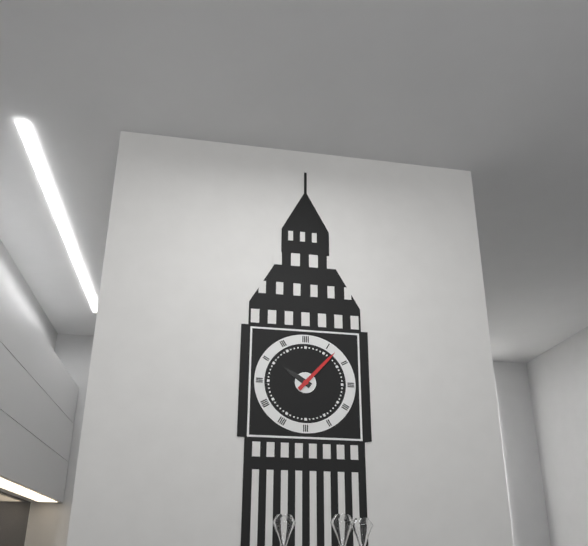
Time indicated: 10:07
